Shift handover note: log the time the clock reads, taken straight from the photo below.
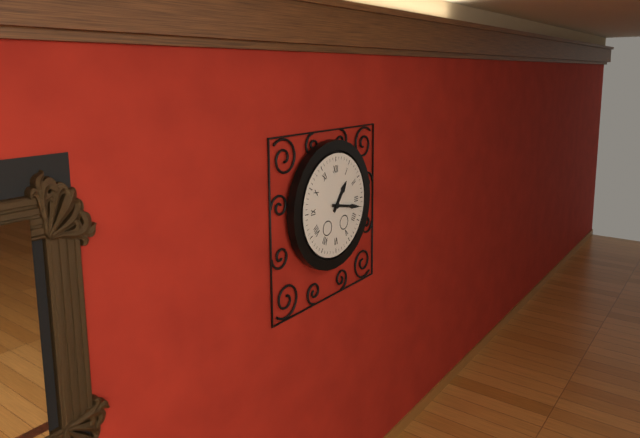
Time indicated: 1:17
